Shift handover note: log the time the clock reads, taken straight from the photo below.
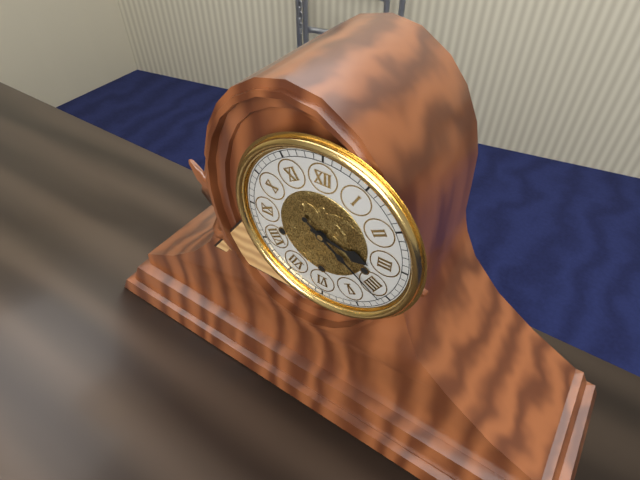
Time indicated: 3:21
